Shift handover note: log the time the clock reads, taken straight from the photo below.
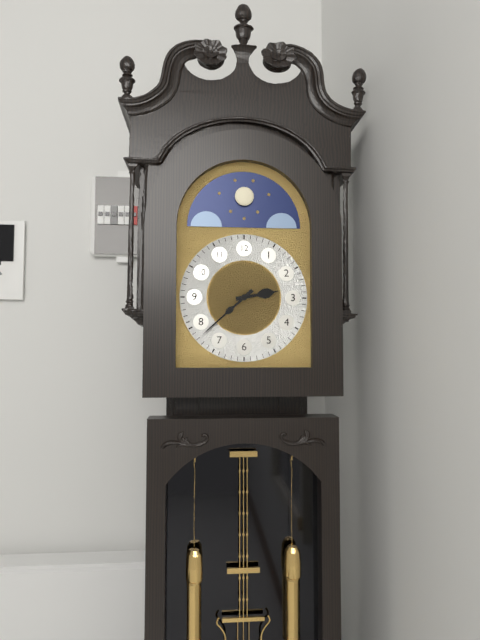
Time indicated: 2:38
